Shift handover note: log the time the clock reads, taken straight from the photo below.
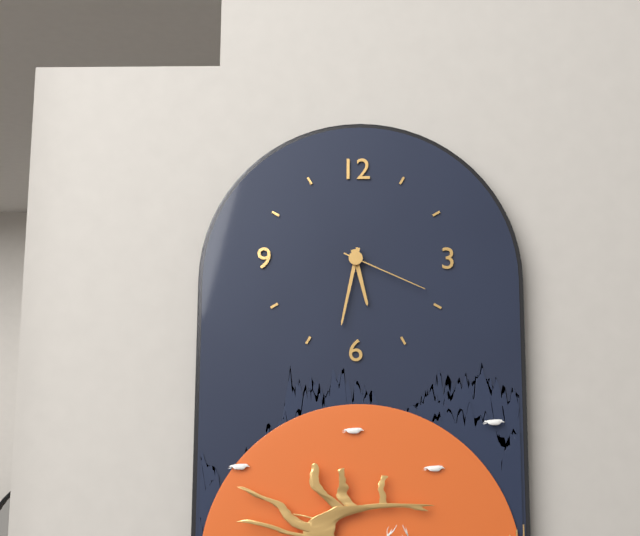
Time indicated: 5:32:19
